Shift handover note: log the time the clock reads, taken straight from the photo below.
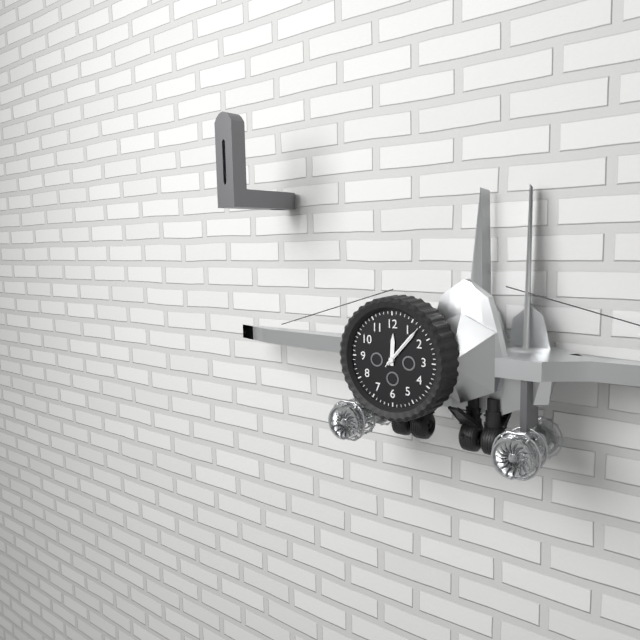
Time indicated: 12:07
